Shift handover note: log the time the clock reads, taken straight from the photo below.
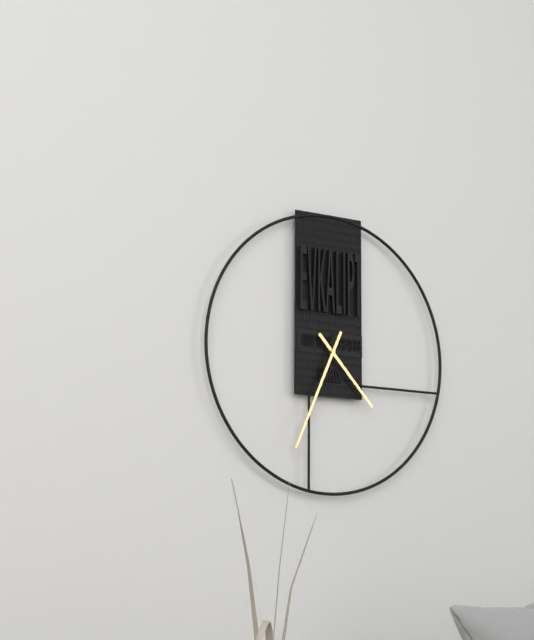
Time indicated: 4:34
